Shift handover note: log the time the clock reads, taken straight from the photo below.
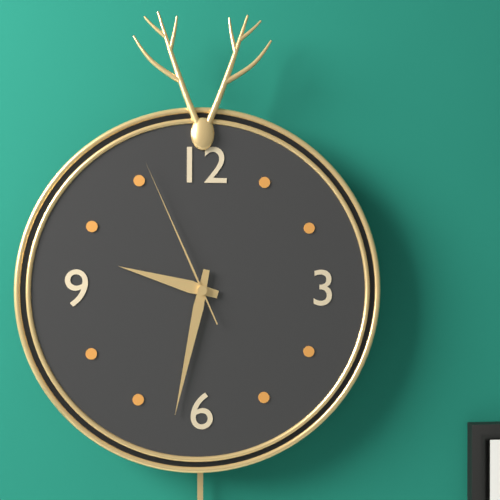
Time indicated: 9:32:56
